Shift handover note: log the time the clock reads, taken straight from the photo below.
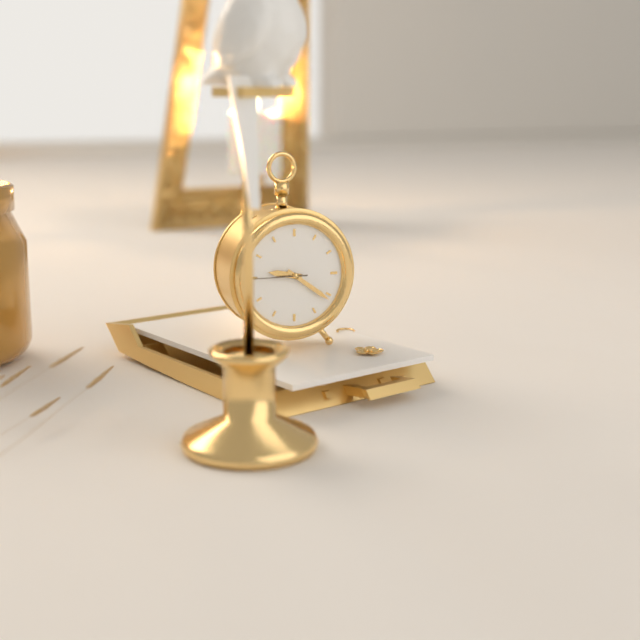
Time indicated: 9:21
